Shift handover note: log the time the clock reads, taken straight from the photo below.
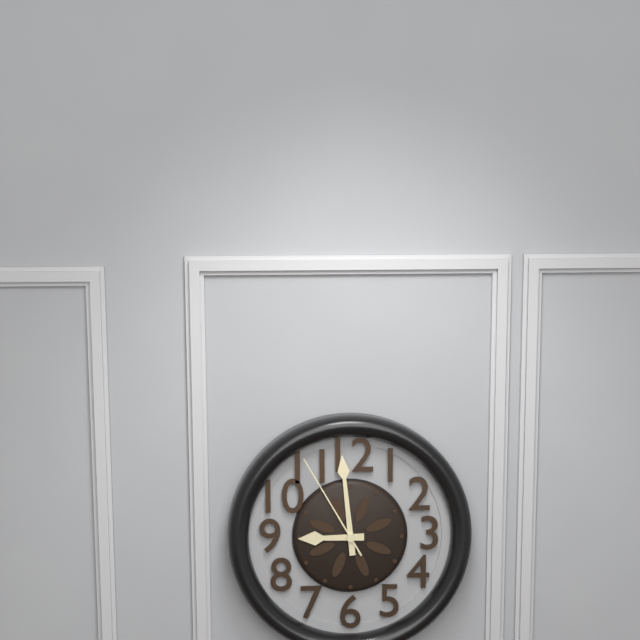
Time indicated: 8:59:55
